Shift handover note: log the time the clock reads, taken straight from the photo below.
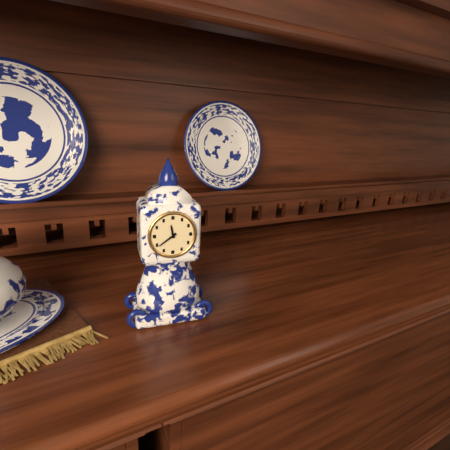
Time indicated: 11:39
